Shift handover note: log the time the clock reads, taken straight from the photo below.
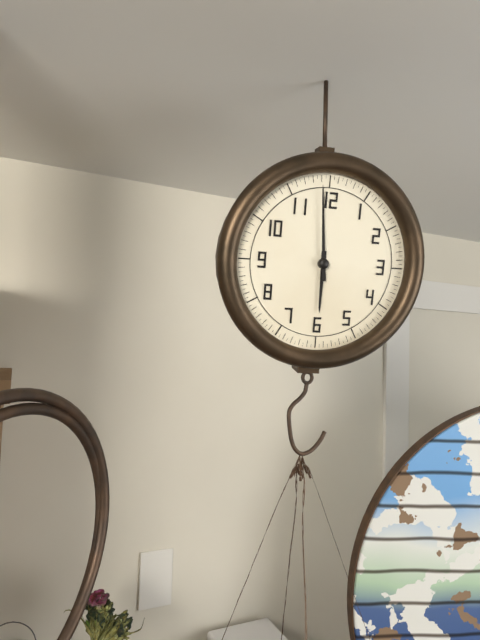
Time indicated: 5:59
